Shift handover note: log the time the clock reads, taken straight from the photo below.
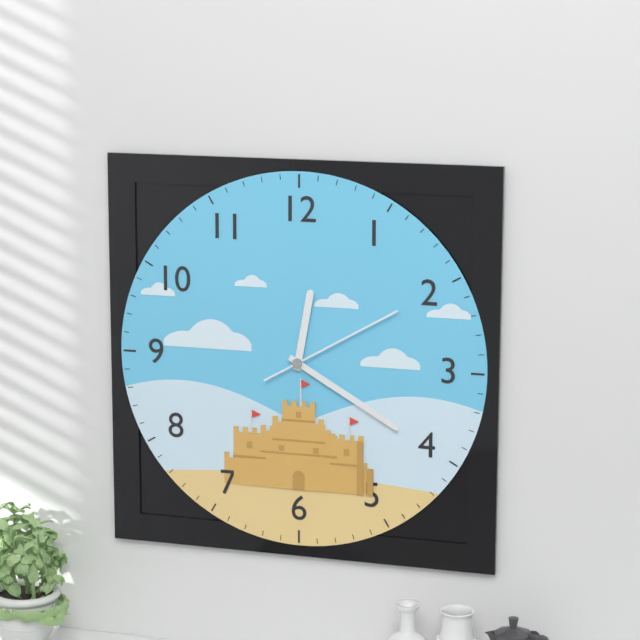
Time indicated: 12:20:10
